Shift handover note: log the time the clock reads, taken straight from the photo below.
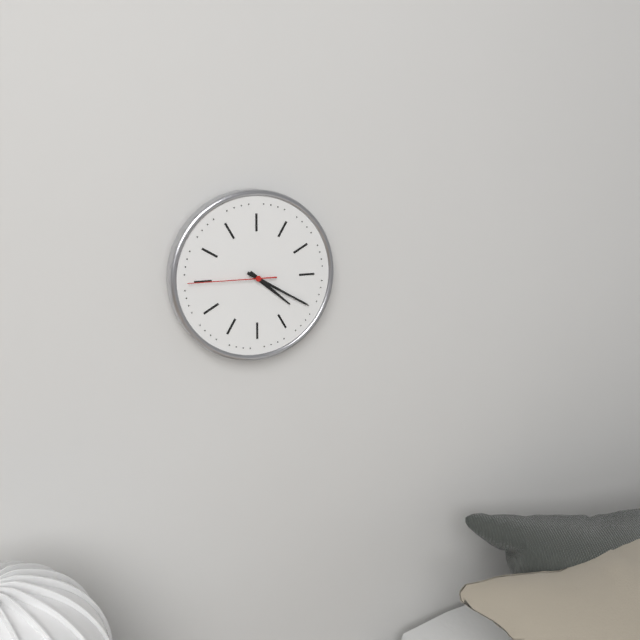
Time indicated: 4:20:45
